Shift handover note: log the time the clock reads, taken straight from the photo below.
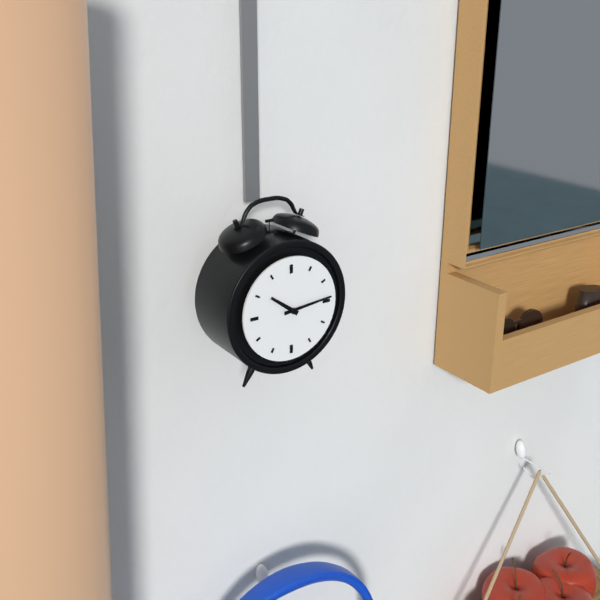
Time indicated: 10:14
